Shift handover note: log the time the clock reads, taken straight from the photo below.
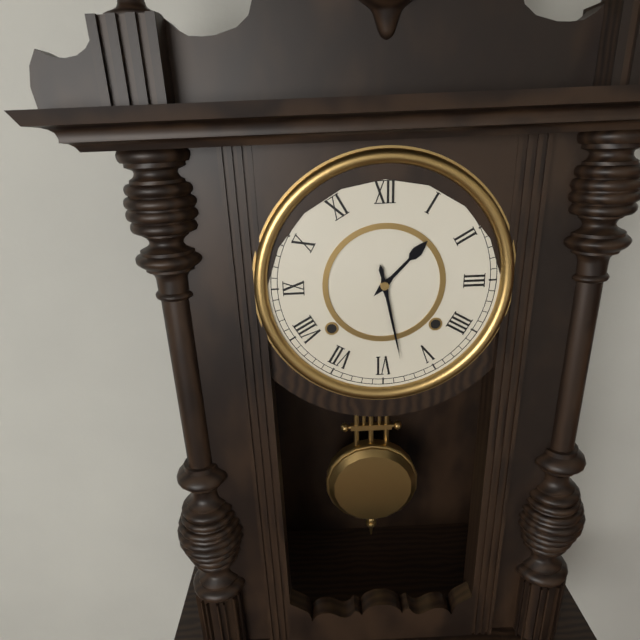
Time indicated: 1:28
